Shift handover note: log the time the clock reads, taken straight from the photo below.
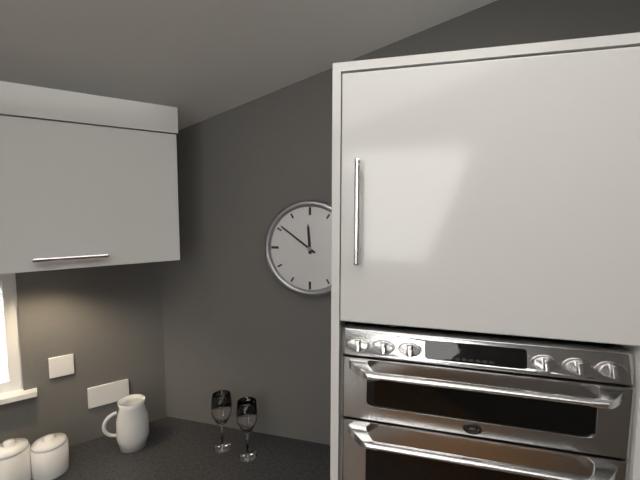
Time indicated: 11:51
